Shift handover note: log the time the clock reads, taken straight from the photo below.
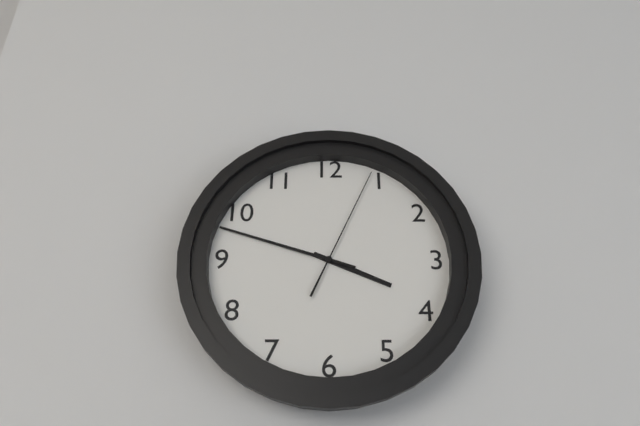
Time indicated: 3:48:04
